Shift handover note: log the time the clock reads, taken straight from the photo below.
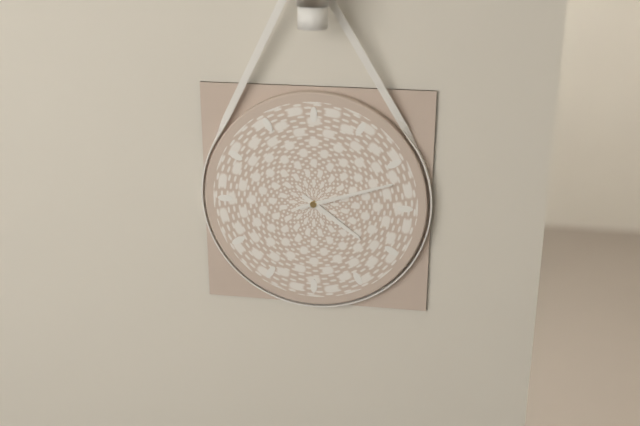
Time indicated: 4:12
